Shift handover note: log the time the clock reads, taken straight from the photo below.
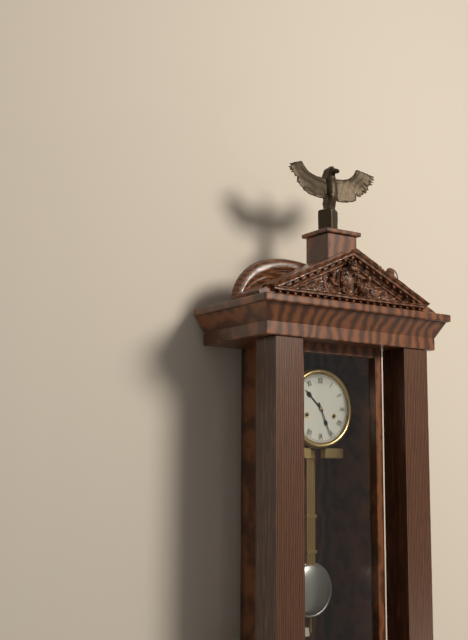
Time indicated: 10:26
